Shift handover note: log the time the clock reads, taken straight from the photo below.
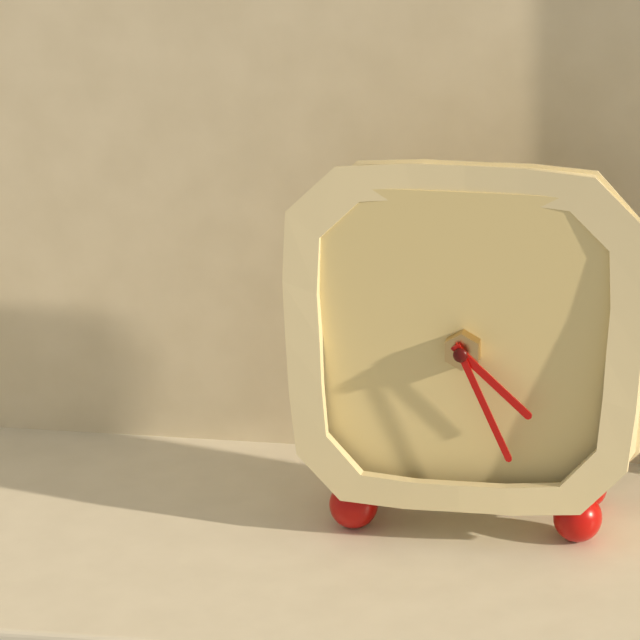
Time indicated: 4:26
